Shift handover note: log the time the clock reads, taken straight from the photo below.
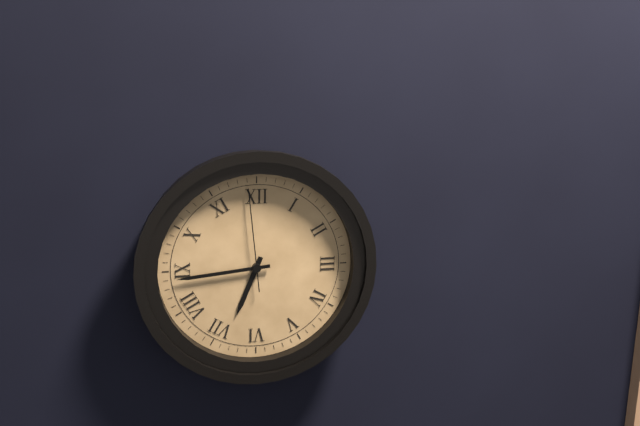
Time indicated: 6:44:59
